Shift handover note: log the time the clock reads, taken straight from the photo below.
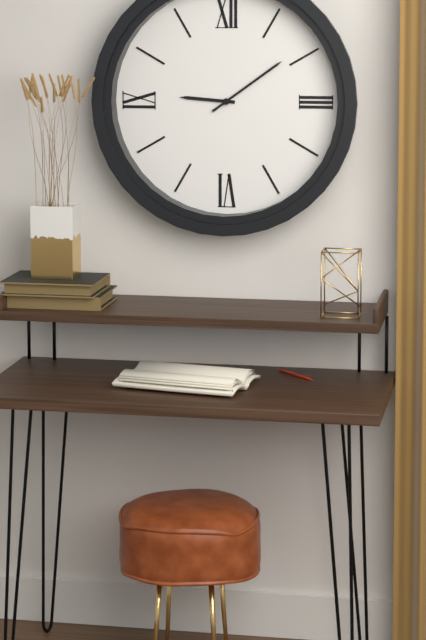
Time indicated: 9:09
